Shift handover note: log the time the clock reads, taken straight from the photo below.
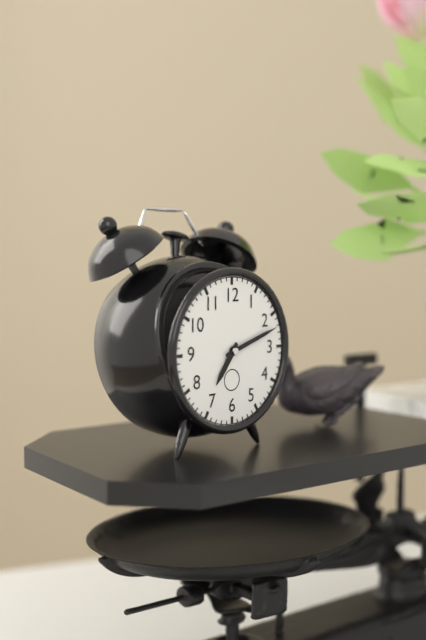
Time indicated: 7:12
